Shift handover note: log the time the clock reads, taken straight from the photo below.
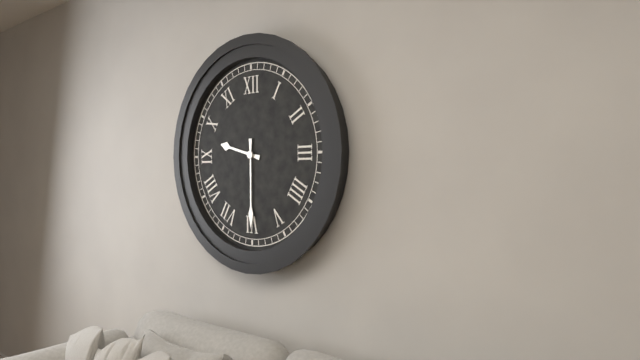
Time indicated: 9:30
